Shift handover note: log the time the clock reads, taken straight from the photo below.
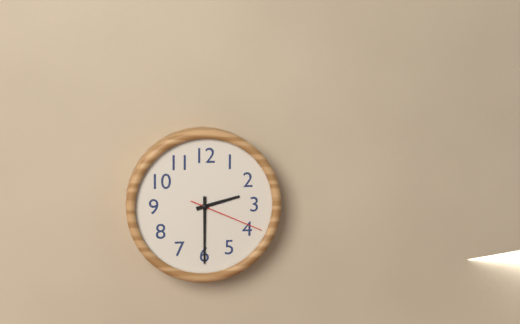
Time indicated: 2:30:19
